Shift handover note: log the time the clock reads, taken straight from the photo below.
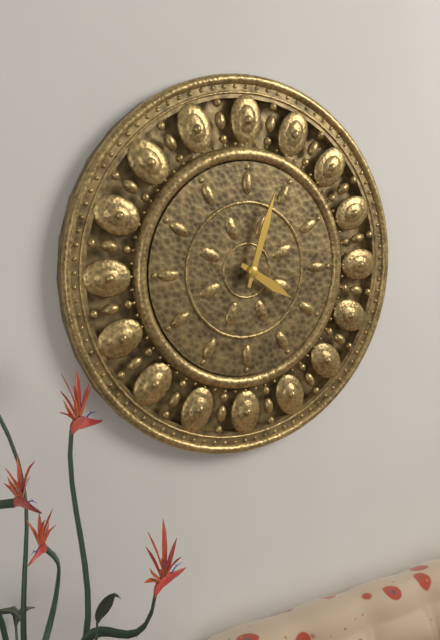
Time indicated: 4:03
